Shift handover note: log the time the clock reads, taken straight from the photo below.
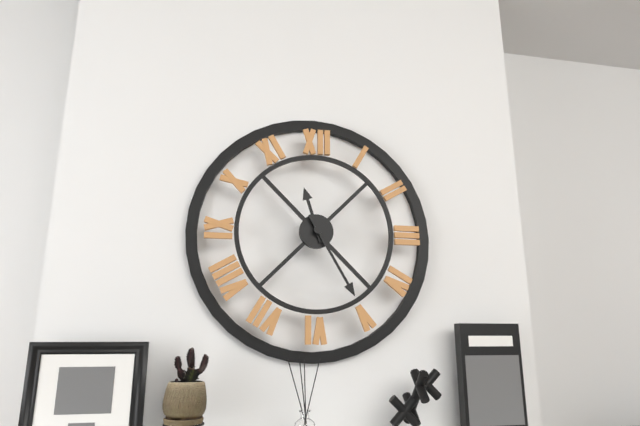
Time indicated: 11:25
